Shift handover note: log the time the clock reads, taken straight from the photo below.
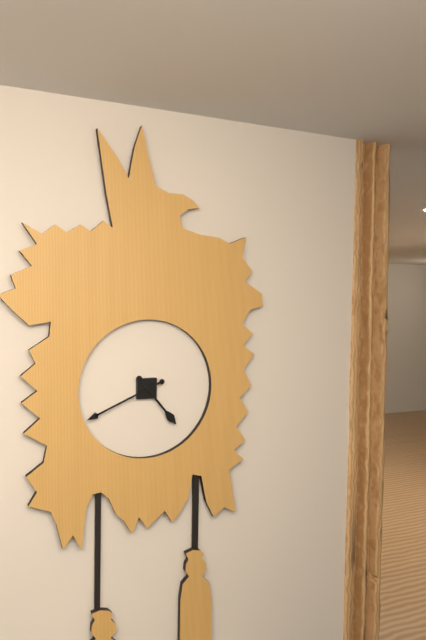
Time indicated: 4:41
